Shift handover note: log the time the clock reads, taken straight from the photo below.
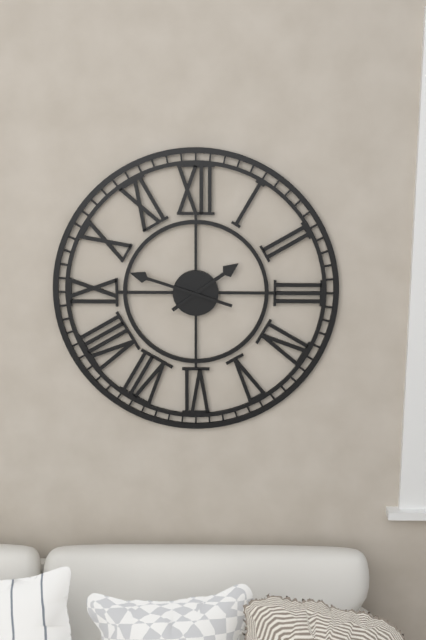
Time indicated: 1:48
